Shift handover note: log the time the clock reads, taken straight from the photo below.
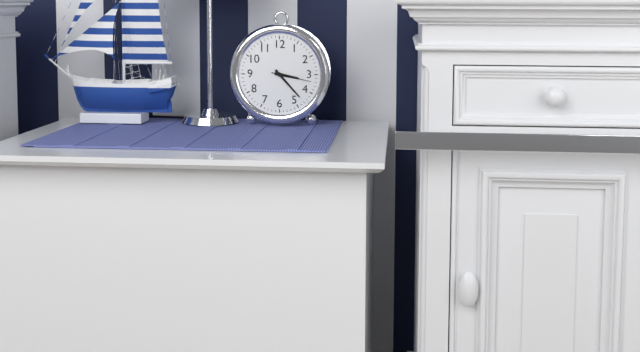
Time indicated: 3:23
